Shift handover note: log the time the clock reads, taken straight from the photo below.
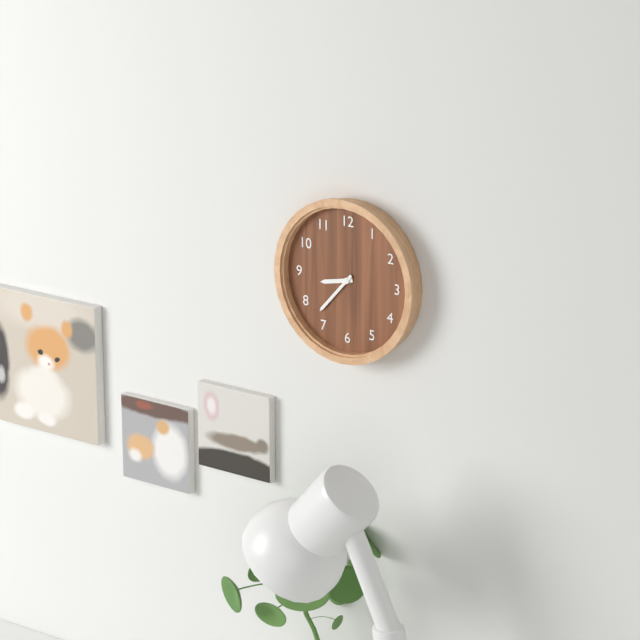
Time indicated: 8:37
